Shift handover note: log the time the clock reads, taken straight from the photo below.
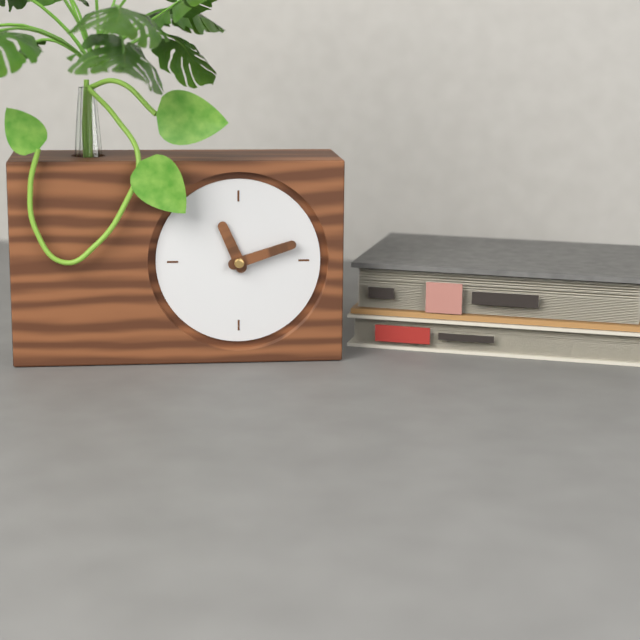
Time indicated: 11:12
